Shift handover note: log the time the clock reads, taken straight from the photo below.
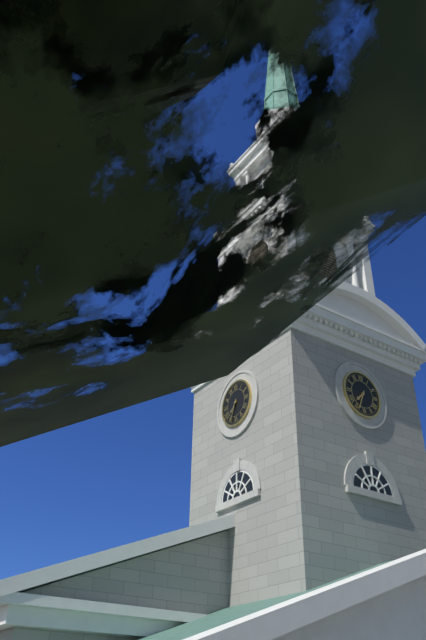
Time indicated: 7:34
